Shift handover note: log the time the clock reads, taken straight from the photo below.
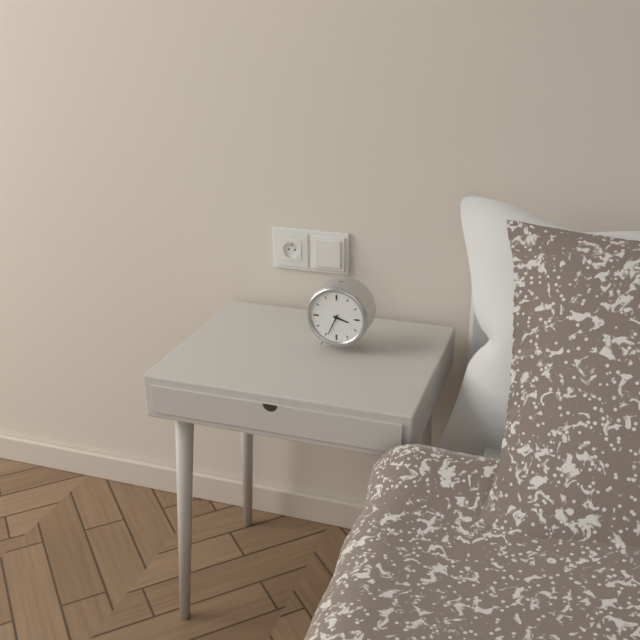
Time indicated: 3:34
